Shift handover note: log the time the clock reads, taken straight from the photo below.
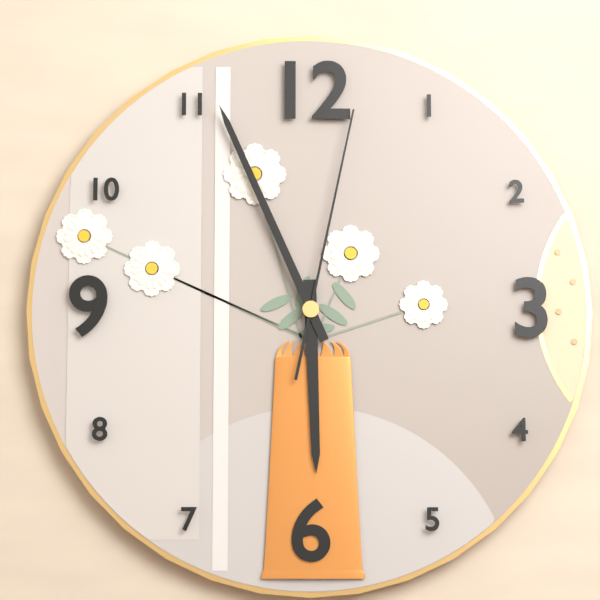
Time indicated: 5:56:02
